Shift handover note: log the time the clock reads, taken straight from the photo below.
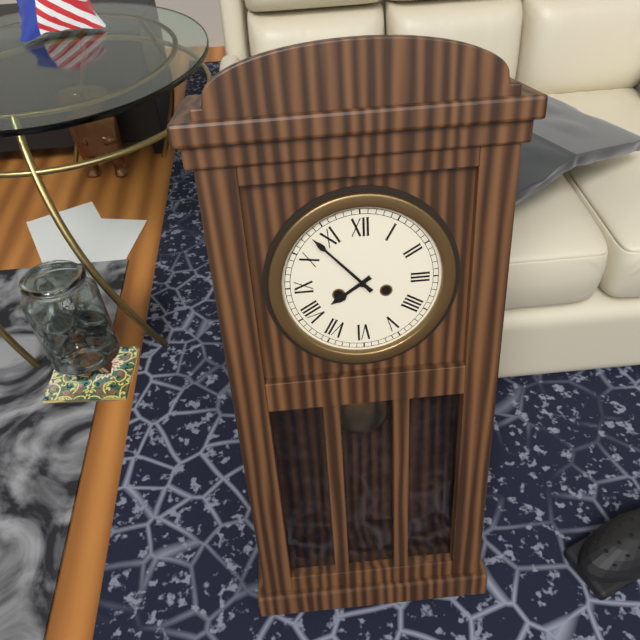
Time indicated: 7:53
